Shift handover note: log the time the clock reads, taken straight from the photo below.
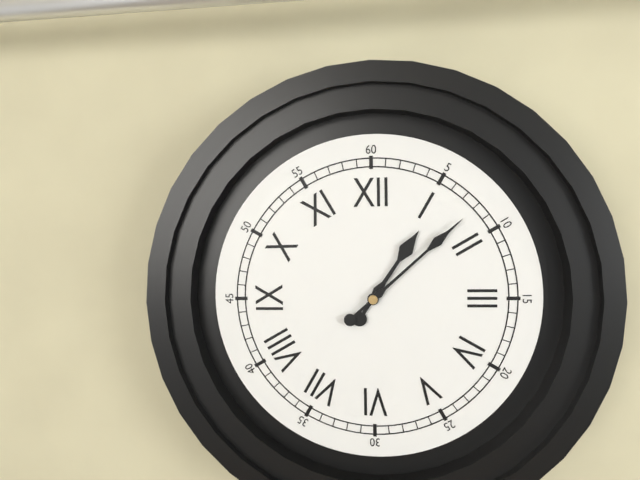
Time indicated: 1:08
